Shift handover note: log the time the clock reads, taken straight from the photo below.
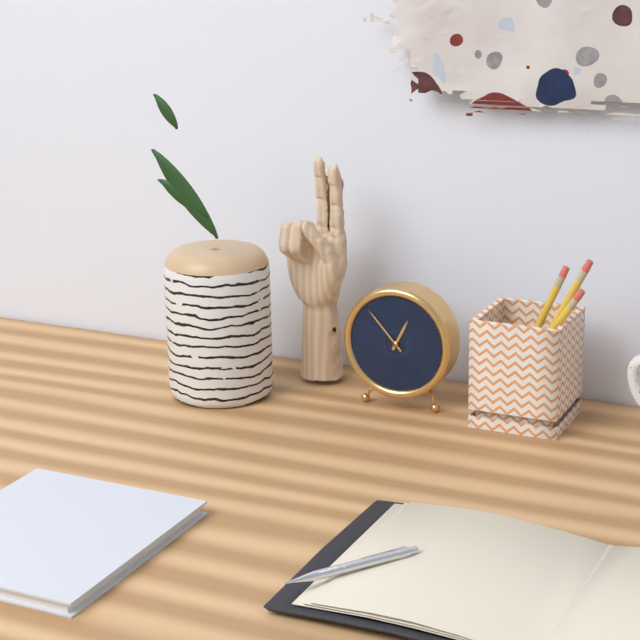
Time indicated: 12:53
